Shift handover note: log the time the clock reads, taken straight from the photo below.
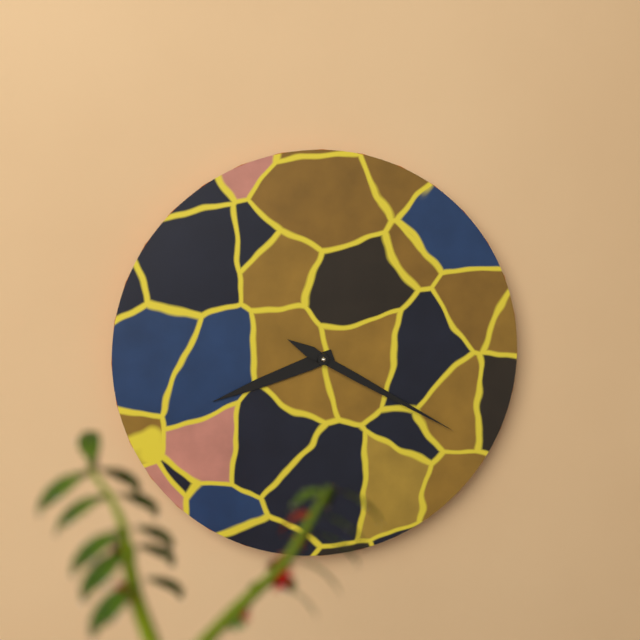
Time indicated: 8:20
